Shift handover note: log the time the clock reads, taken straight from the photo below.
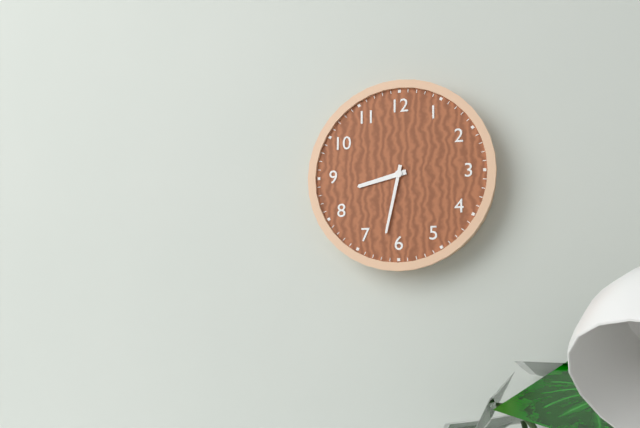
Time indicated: 8:32
